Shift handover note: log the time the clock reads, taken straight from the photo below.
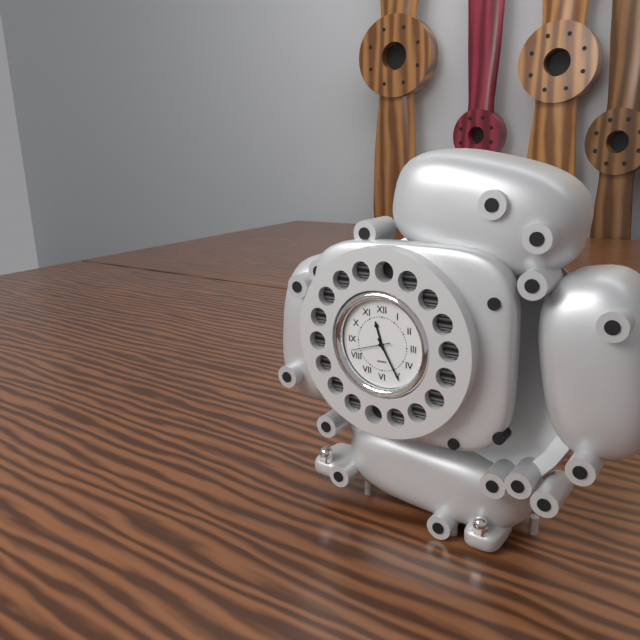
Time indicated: 11:25
